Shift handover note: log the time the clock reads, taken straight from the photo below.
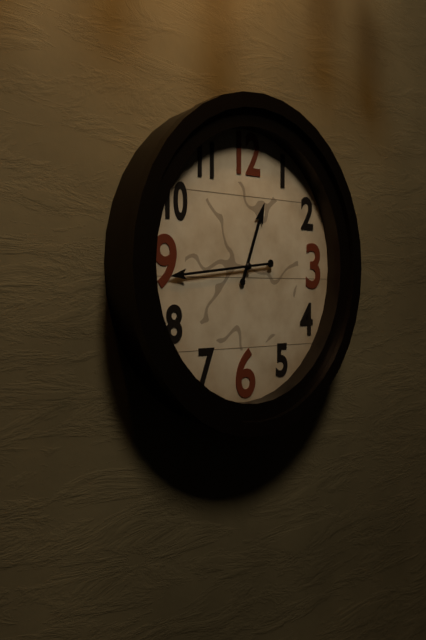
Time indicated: 12:44
